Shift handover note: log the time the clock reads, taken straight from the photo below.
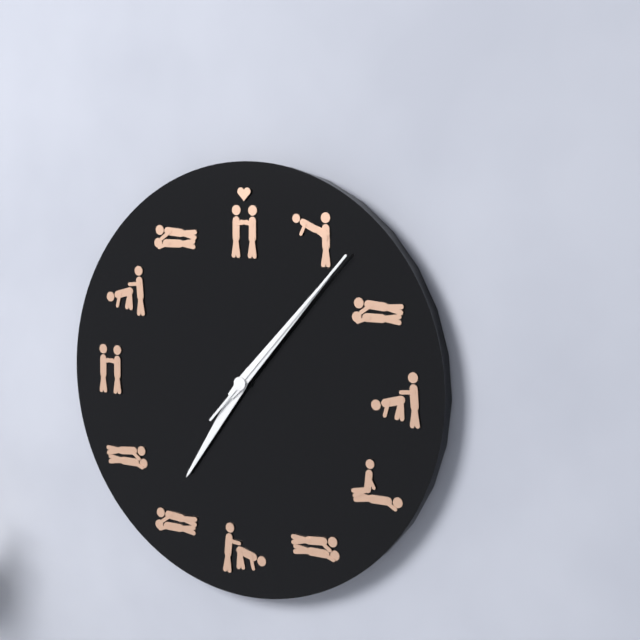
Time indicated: 7:07:07
